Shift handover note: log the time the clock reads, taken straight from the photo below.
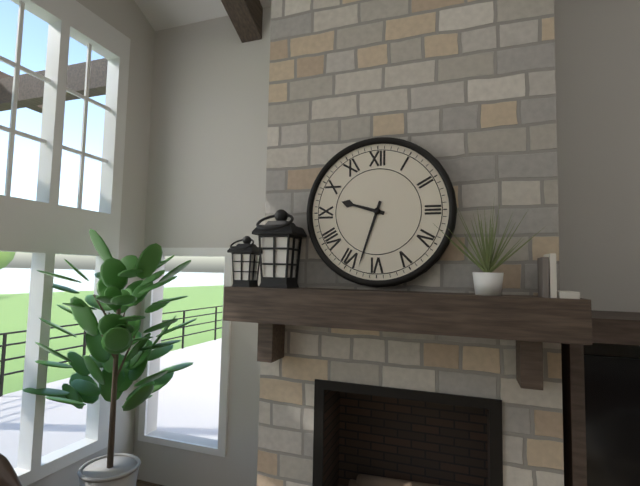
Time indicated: 9:33
